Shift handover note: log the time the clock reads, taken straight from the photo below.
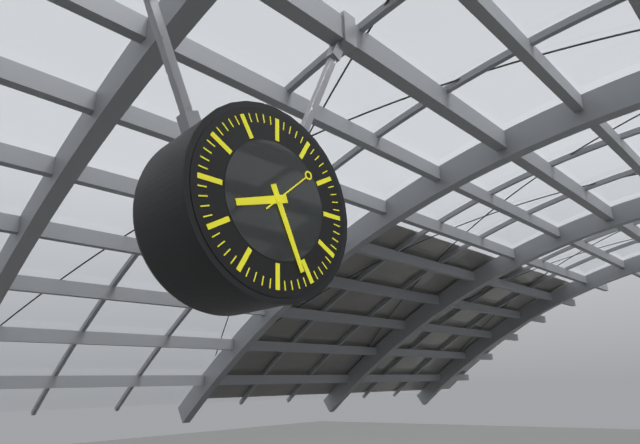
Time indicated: 8:26:08
